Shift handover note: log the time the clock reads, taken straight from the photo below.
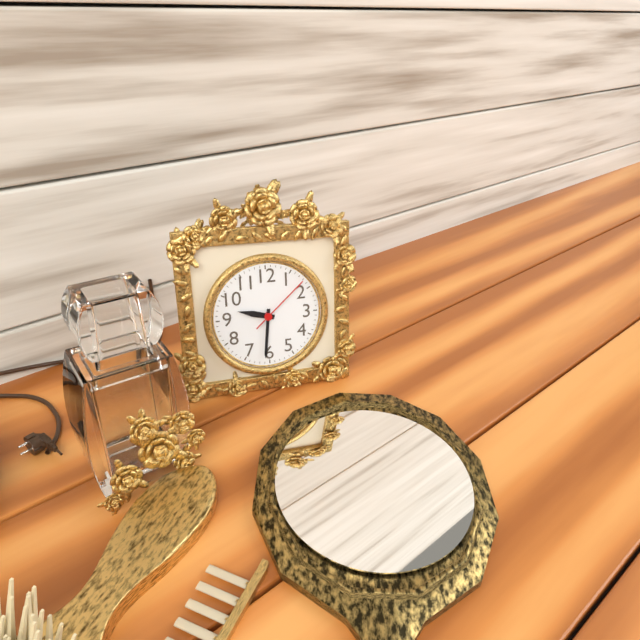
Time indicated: 9:31:08
